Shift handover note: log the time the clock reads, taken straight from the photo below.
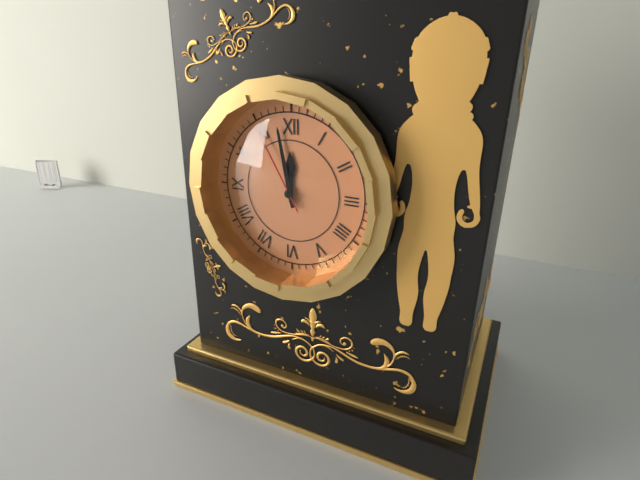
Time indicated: 11:58:55
